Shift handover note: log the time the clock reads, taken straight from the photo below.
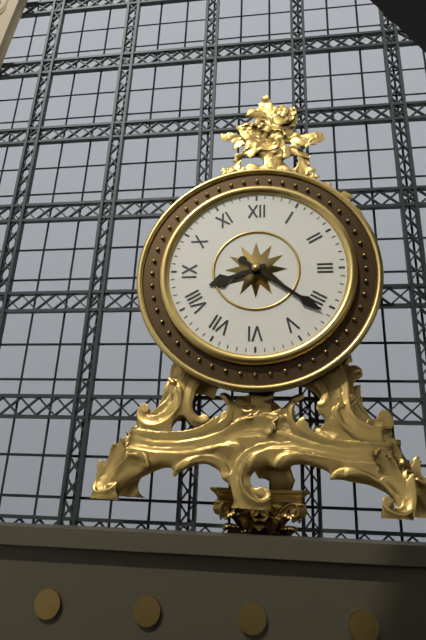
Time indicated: 8:21
